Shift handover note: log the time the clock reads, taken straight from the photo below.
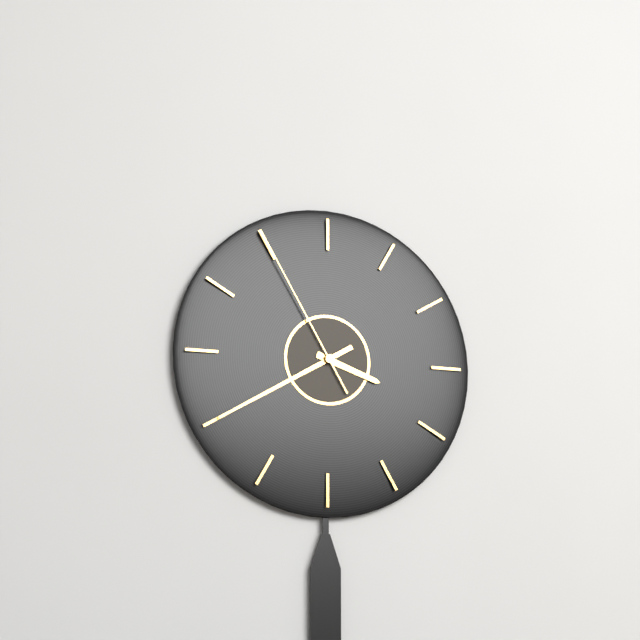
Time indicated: 3:40:55
